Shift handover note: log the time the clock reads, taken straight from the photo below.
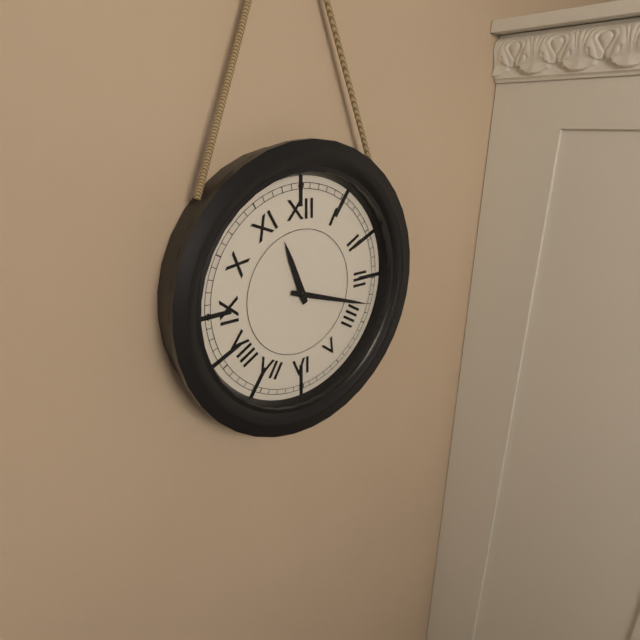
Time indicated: 11:18
